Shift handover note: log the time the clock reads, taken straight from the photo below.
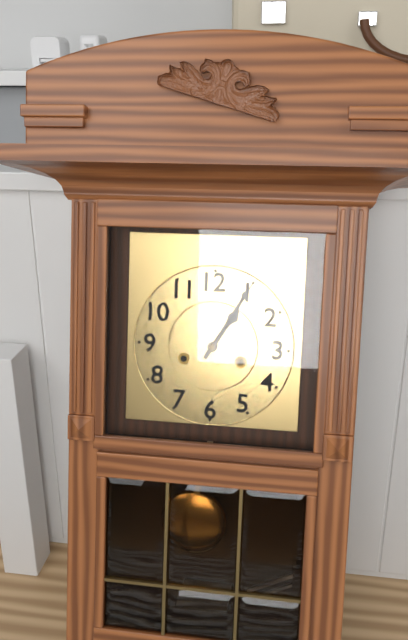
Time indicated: 1:05
